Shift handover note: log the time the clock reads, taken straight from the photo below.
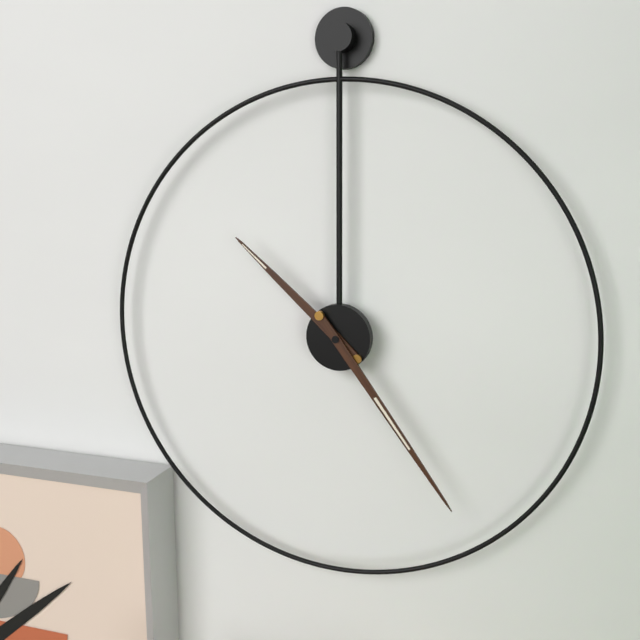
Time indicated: 10:24
